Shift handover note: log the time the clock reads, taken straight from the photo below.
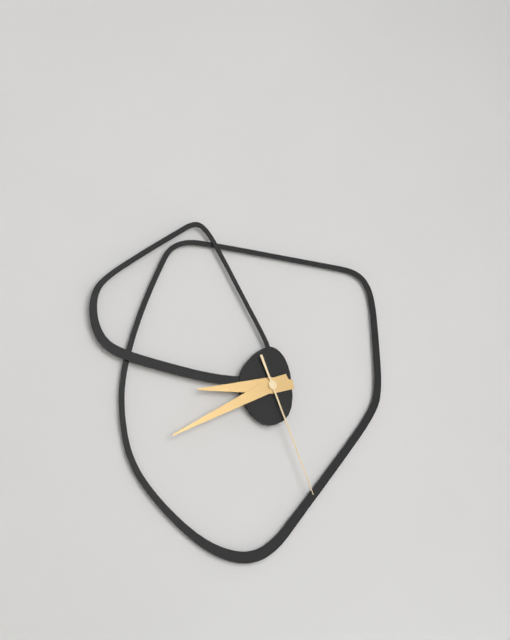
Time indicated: 8:40:26
